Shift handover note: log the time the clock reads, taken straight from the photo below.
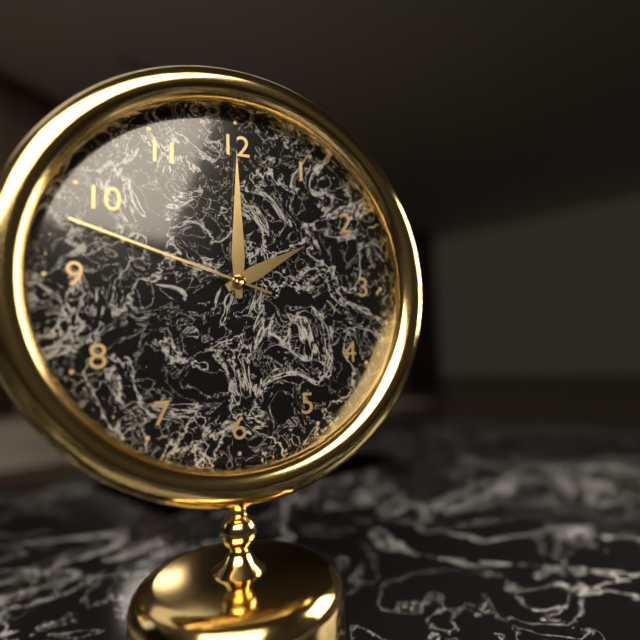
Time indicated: 2:00:48
